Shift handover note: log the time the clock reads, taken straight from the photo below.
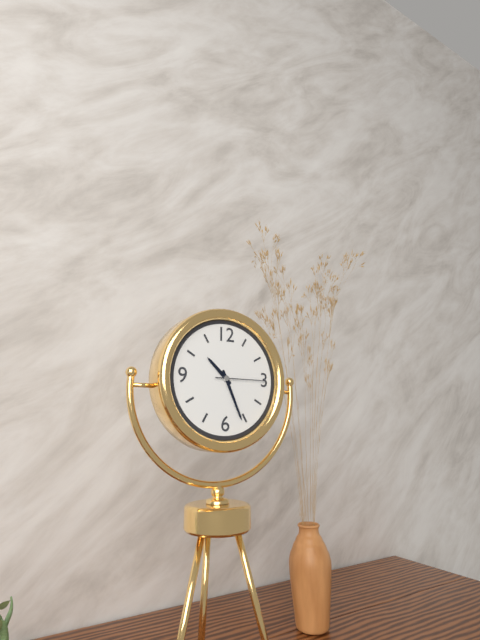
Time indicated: 10:26:15
